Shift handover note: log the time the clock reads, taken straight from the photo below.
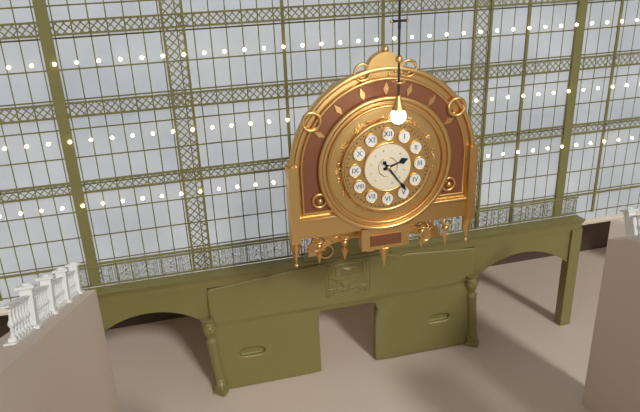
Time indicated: 2:24
